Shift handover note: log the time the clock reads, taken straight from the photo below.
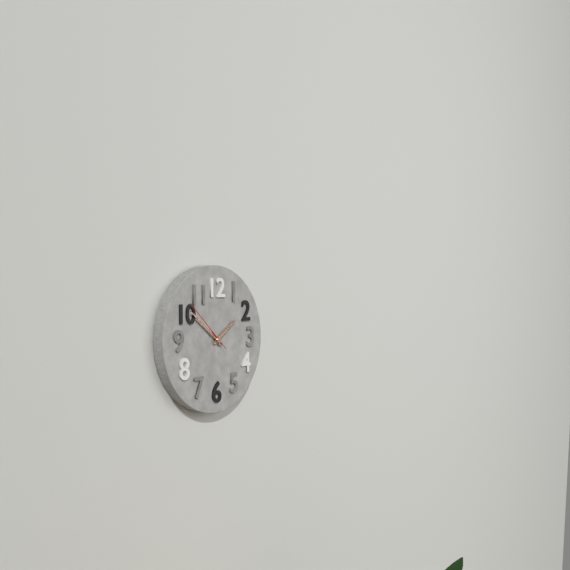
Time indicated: 1:51:52
